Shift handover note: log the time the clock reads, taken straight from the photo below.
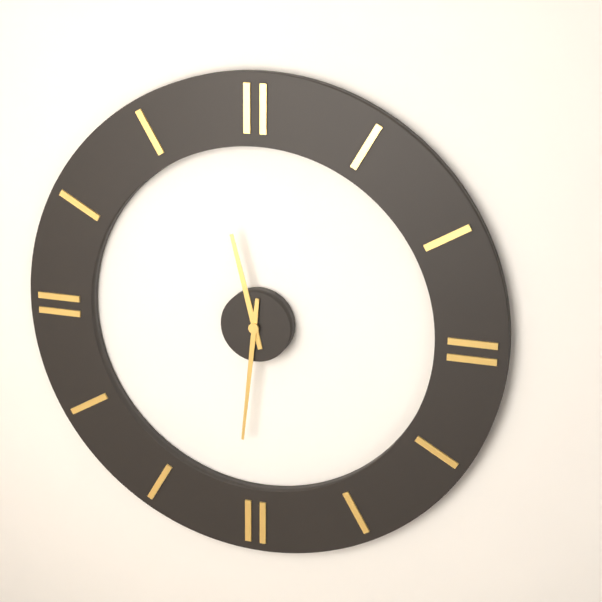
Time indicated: 11:31
